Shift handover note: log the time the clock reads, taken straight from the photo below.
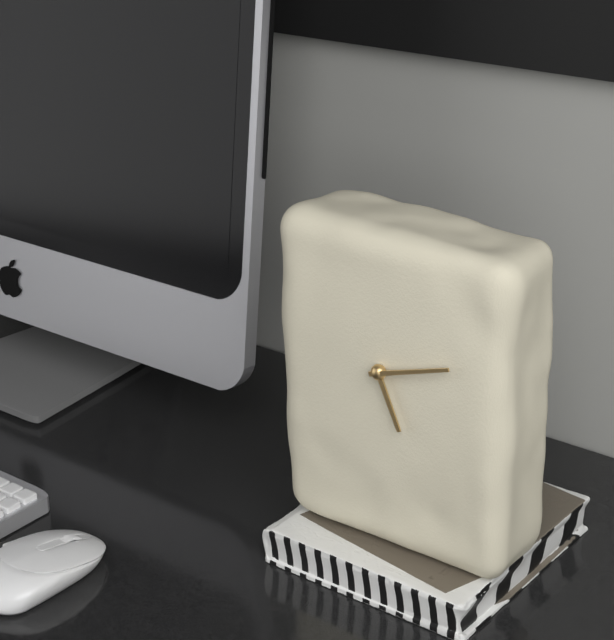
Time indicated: 5:12
